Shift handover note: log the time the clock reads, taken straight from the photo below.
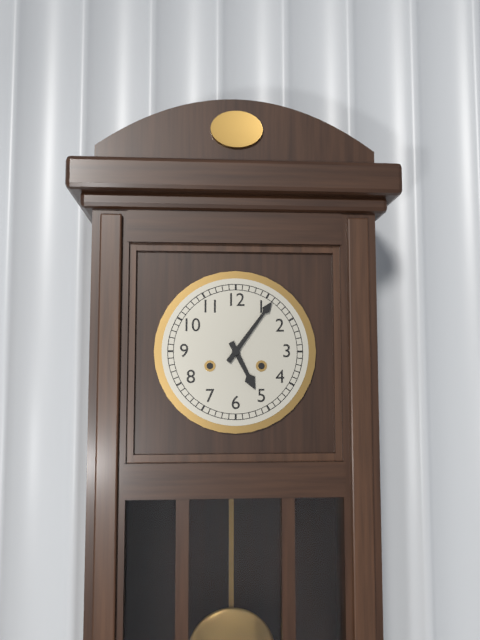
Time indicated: 5:06
